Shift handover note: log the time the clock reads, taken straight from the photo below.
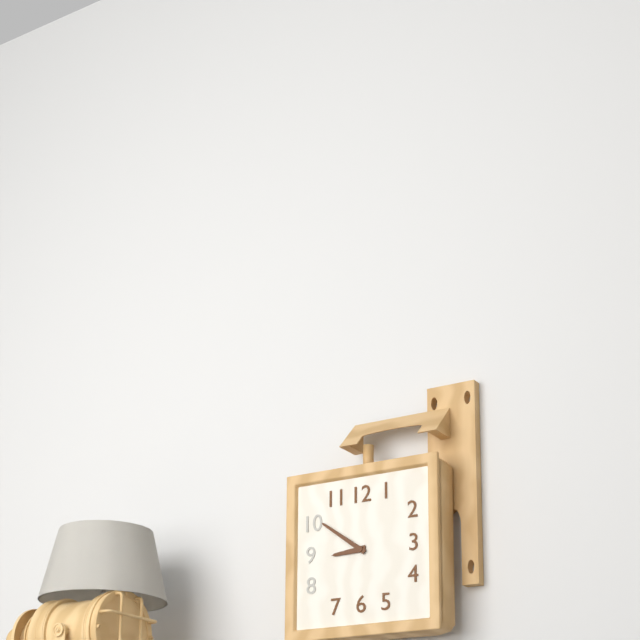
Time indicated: 8:51
